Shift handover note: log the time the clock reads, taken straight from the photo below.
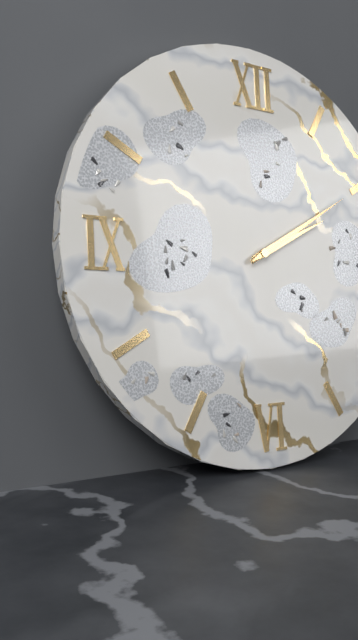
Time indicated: 2:10
